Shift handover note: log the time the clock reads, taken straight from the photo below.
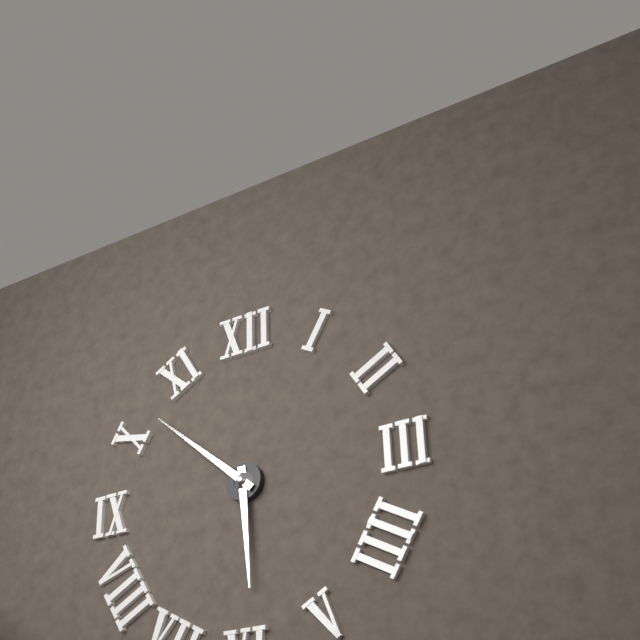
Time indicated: 5:52
